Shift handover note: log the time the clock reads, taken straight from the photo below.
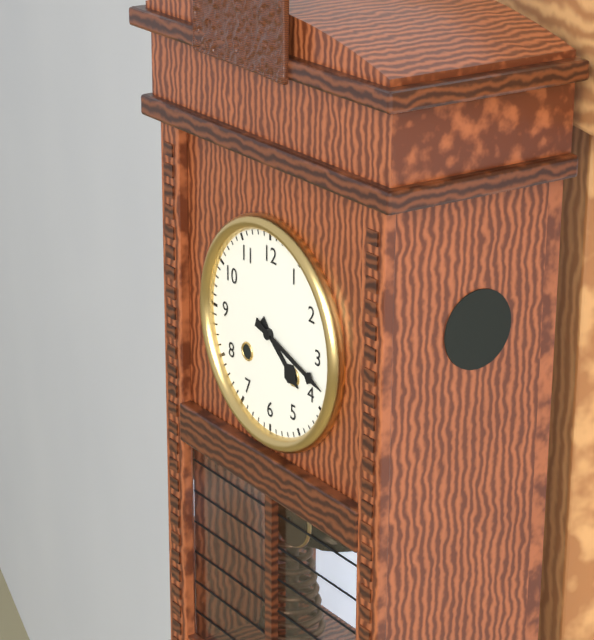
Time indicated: 4:18
